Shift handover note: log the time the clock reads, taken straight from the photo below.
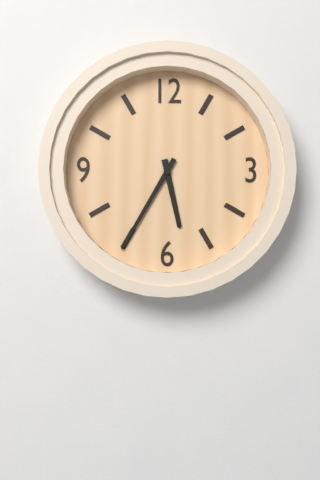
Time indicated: 5:35
